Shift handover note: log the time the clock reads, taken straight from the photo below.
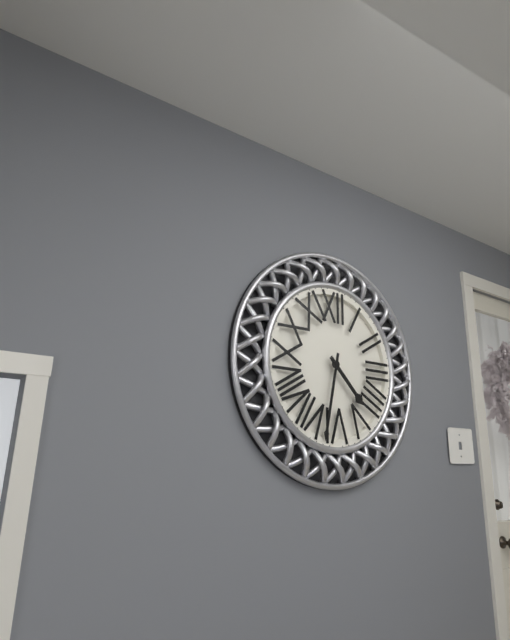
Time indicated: 4:32
